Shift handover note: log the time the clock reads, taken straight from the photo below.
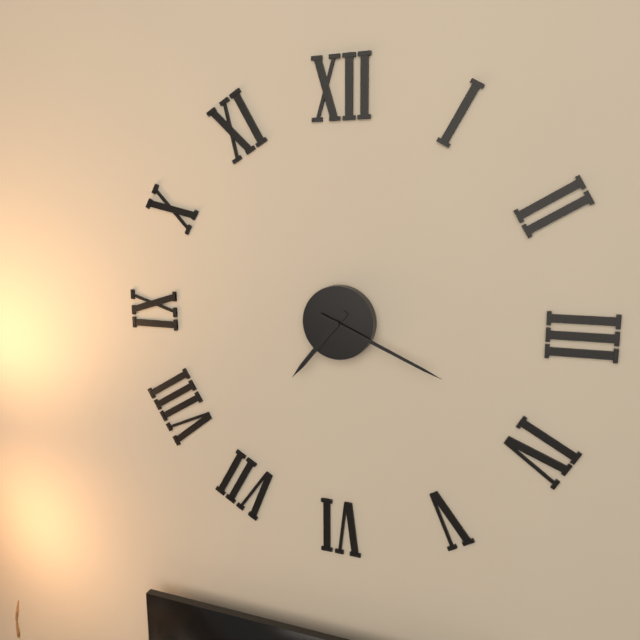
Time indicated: 7:19
